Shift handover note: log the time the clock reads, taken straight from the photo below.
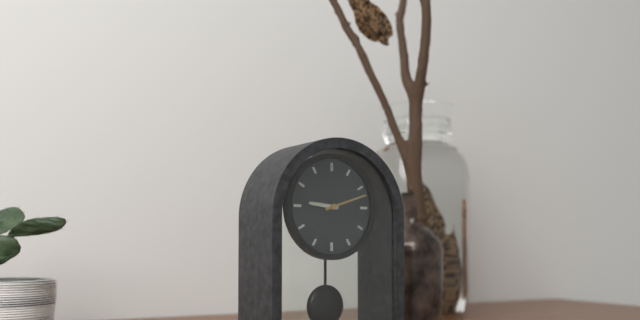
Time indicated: 9:12
